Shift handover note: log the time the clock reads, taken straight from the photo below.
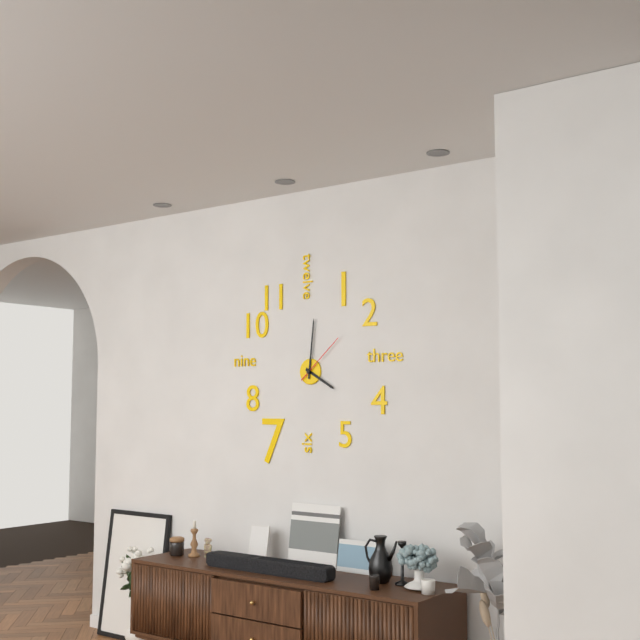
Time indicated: 4:01:08
